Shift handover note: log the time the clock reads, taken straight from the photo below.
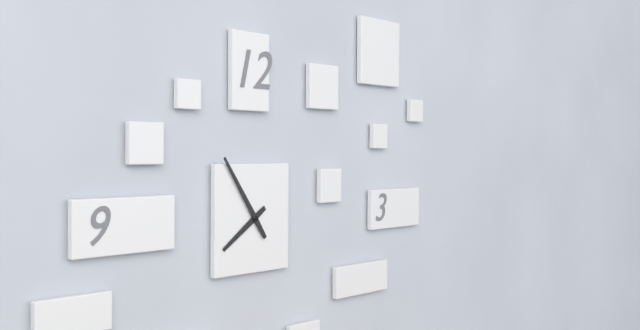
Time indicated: 7:54
